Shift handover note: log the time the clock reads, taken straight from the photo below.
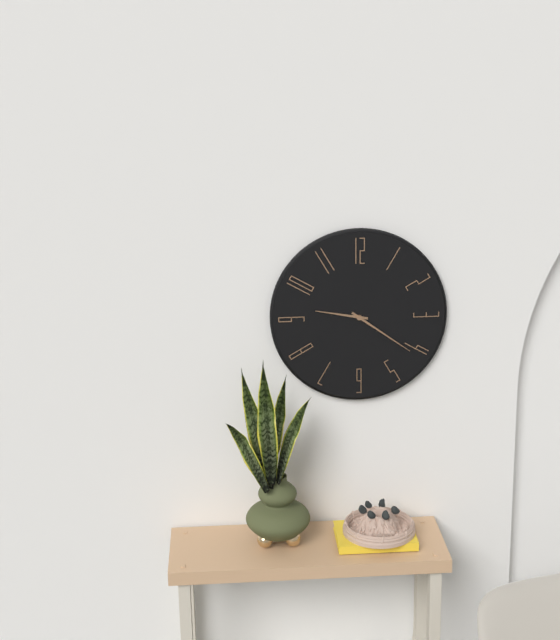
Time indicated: 9:21
